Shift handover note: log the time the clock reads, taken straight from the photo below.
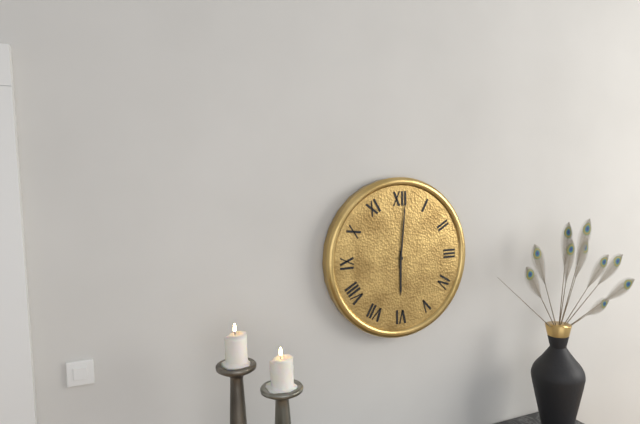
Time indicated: 6:01
